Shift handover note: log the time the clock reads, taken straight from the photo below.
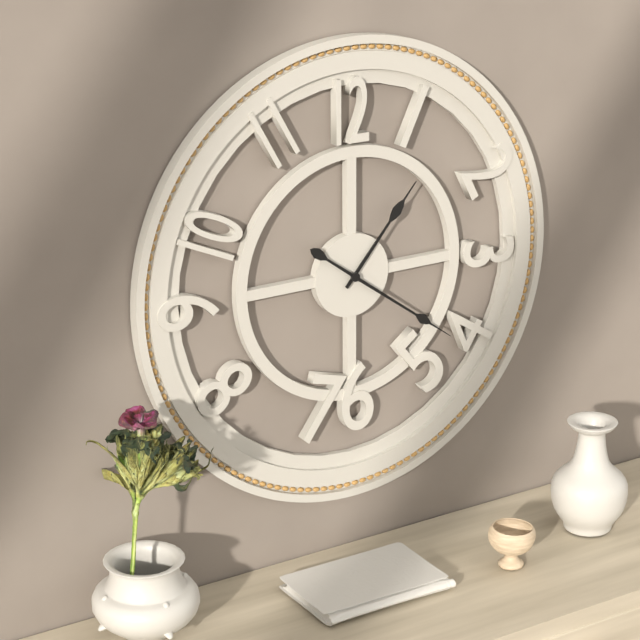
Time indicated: 1:21
